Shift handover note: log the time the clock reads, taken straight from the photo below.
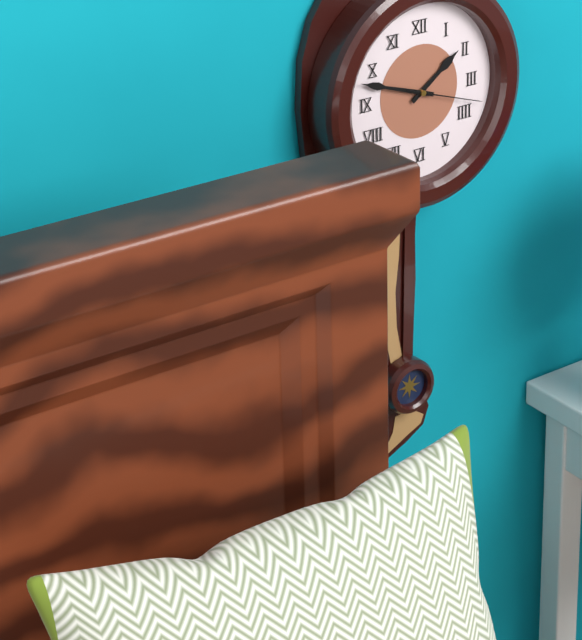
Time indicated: 1:48:18
